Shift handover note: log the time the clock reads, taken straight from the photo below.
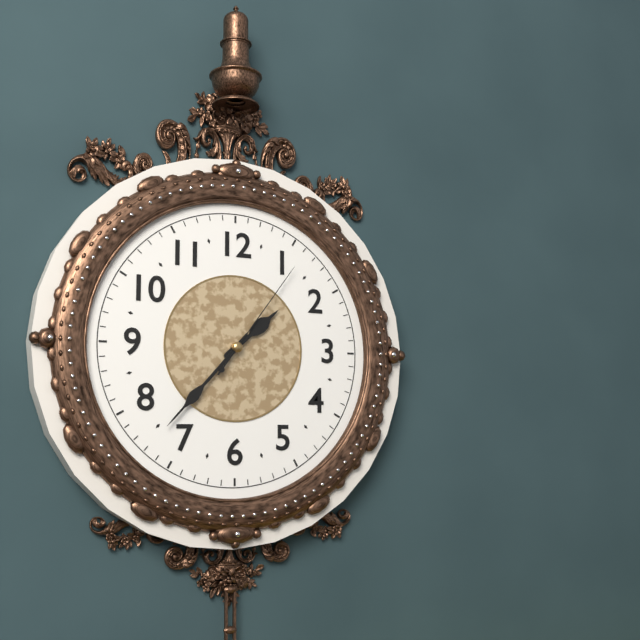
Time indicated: 1:37:06
